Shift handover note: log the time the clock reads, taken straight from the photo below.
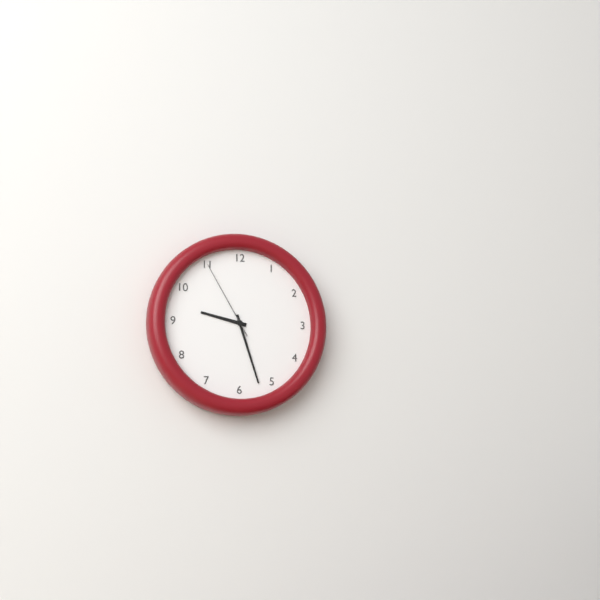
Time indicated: 9:27:55
